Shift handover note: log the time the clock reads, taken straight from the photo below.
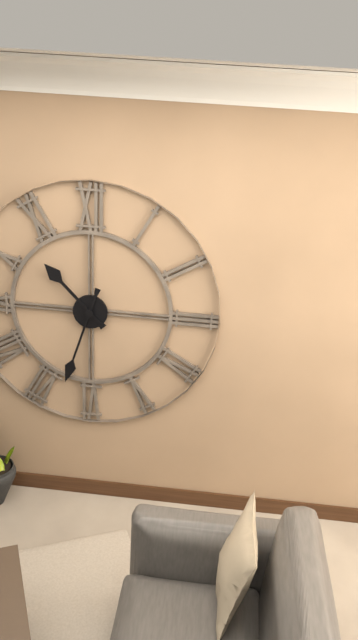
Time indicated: 10:33
